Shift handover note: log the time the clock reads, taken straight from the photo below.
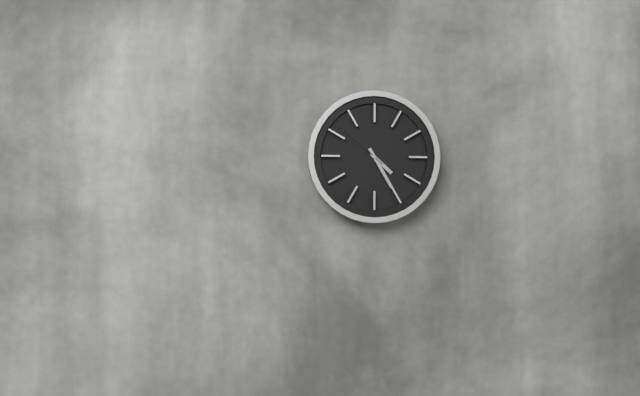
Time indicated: 4:25:52
